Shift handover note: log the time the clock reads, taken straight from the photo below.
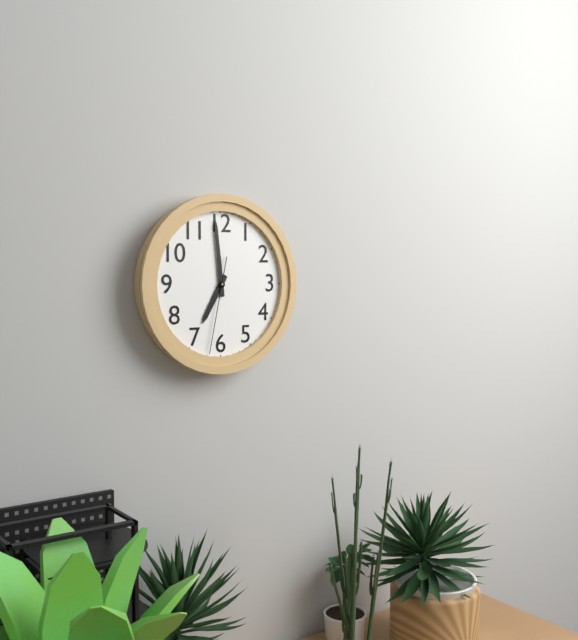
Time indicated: 6:59:32
